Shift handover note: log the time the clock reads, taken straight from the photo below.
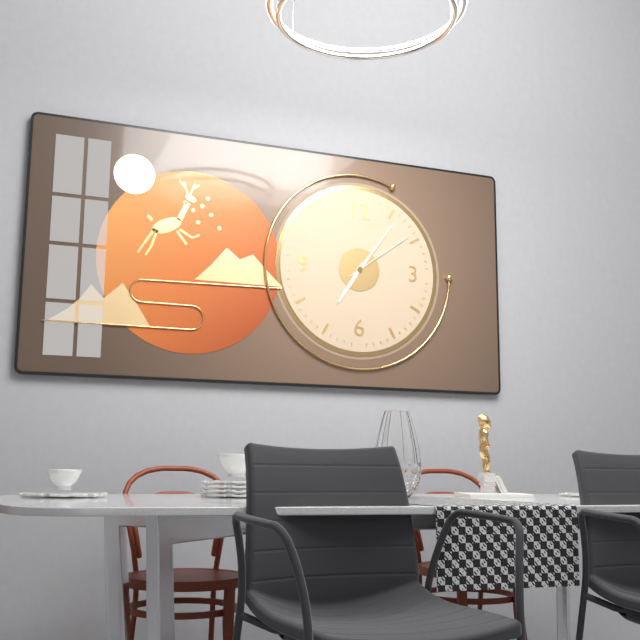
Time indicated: 7:06:09
